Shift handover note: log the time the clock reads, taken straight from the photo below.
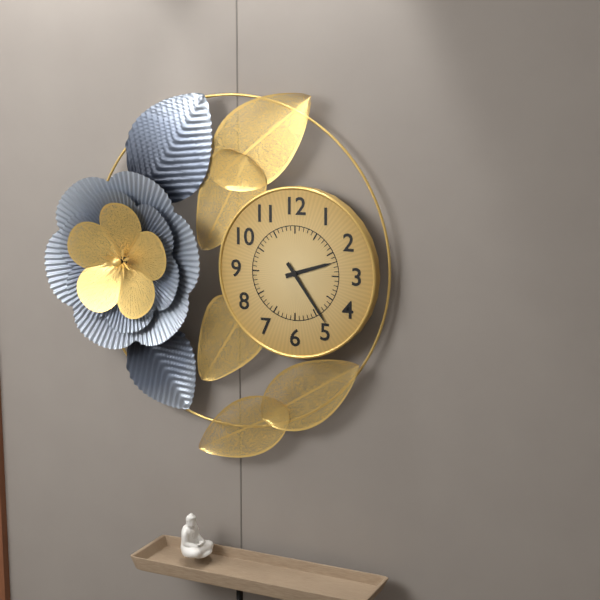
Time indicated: 2:24
